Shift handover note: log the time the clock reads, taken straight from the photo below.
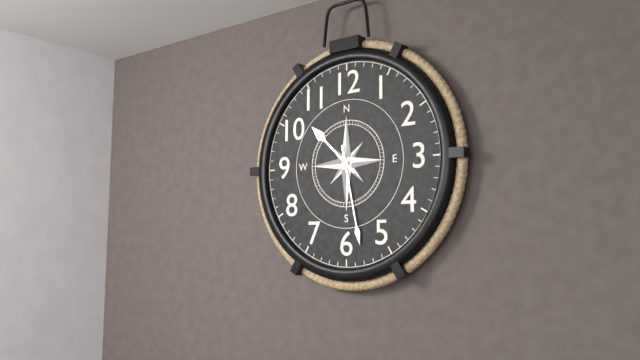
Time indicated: 10:28
